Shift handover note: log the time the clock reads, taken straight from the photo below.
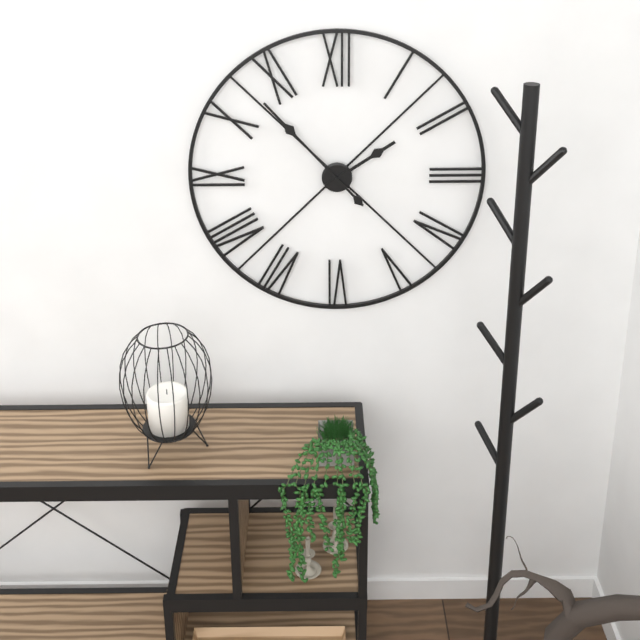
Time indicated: 1:53
